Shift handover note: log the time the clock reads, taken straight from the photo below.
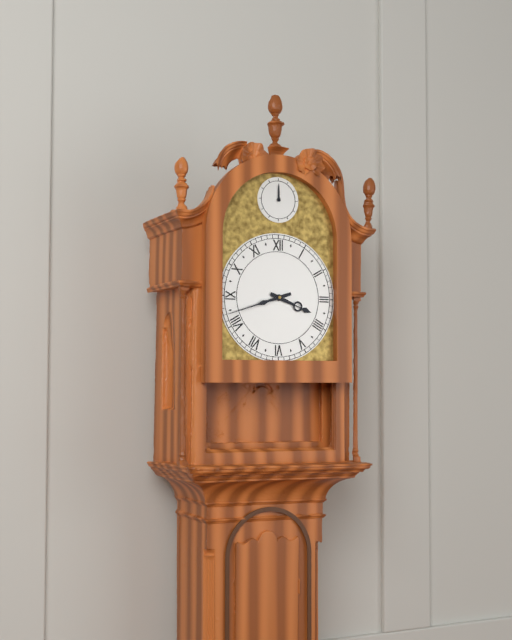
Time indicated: 3:42
